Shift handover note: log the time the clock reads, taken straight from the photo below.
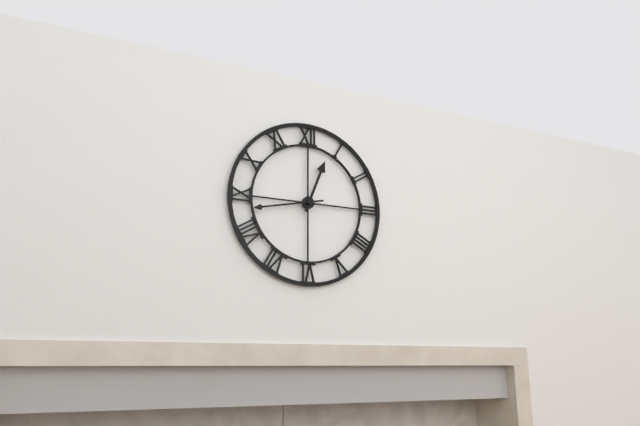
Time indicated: 12:43
